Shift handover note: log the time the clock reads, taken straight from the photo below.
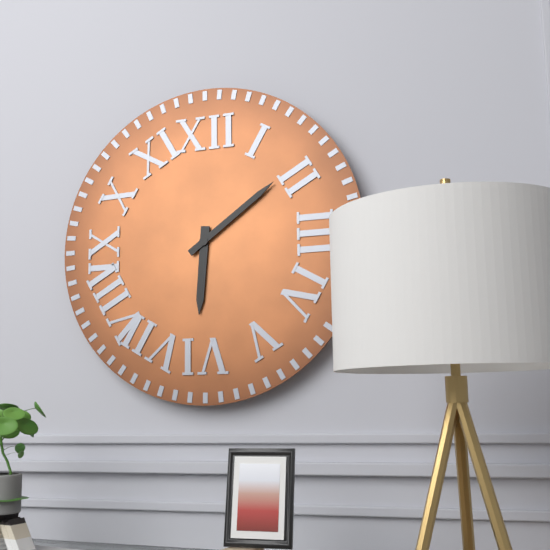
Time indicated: 6:09
